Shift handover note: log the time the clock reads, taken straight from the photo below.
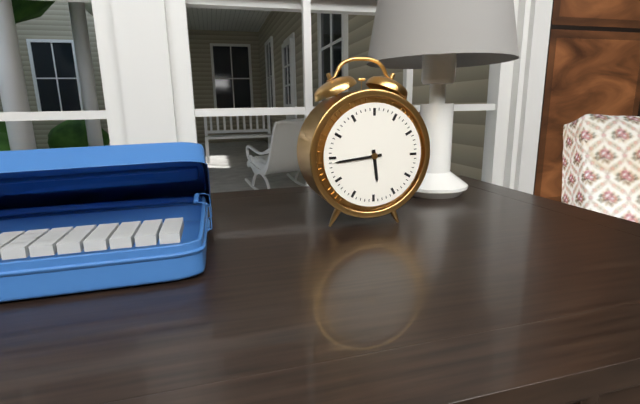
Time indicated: 5:44
